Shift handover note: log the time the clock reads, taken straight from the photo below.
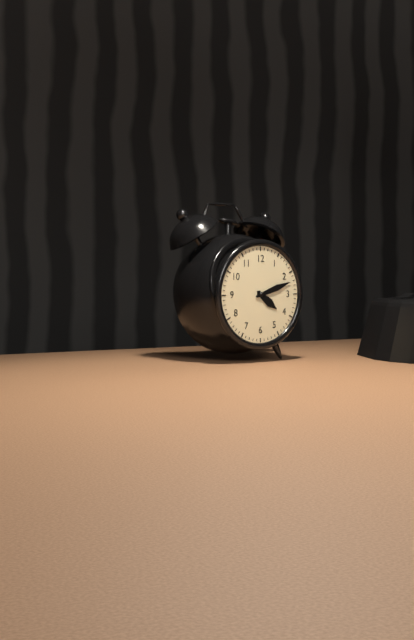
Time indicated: 4:12
